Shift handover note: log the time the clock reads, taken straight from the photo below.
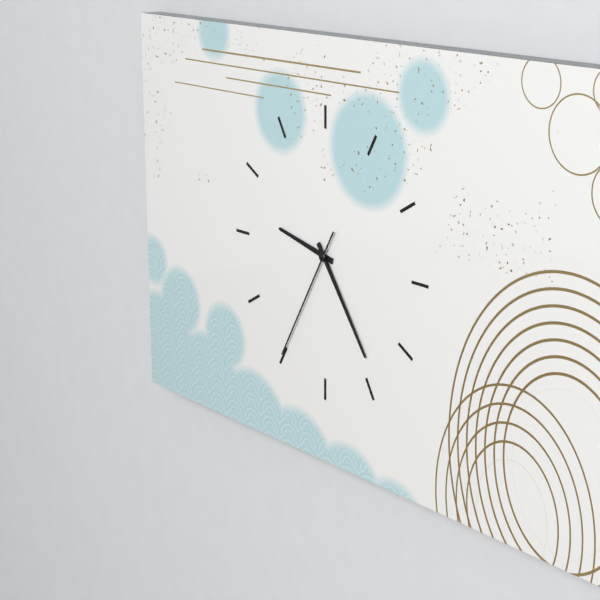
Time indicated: 9:24:35
